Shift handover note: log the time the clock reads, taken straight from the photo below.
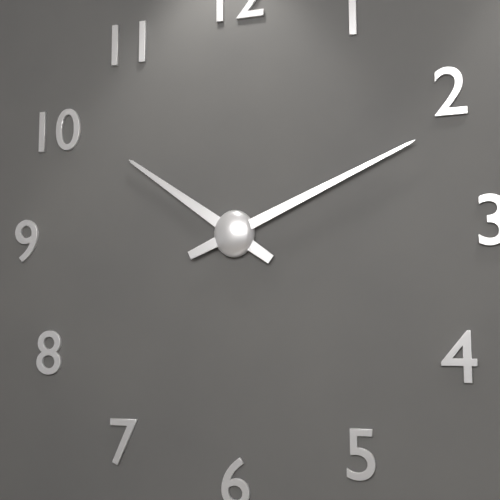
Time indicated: 10:11
